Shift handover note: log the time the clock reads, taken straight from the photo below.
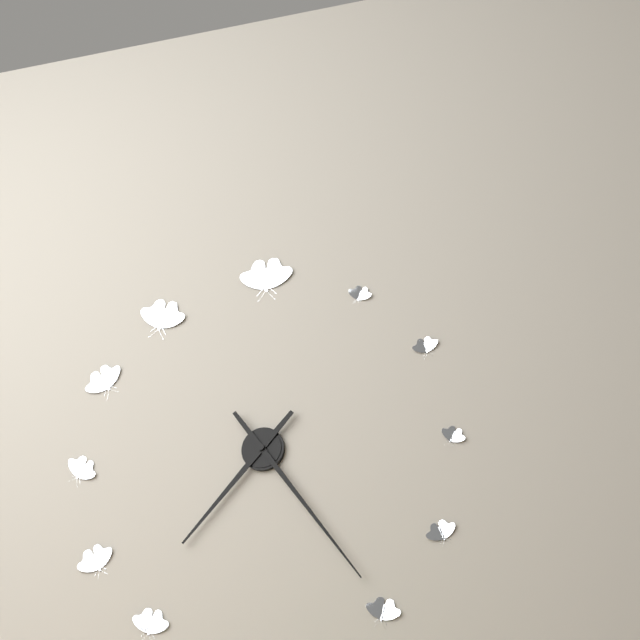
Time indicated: 7:24
